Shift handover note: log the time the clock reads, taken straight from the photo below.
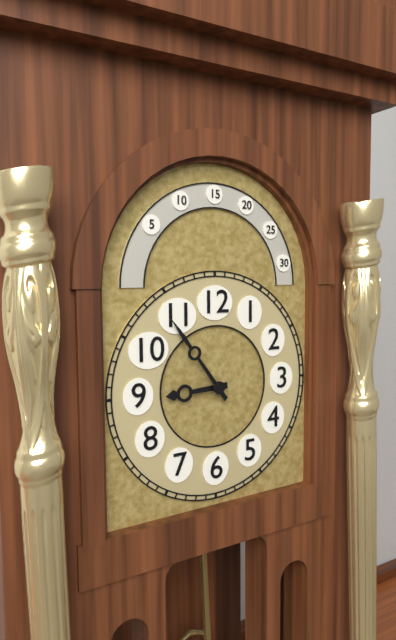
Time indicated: 8:54
